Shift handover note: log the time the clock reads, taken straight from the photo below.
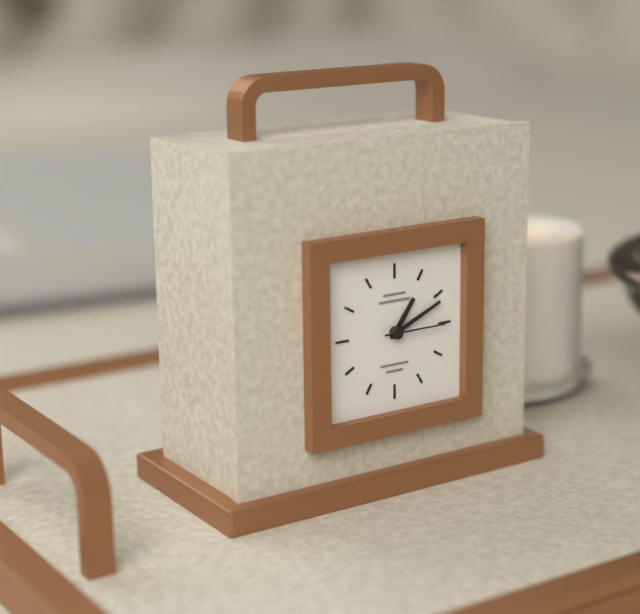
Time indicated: 1:11:15
